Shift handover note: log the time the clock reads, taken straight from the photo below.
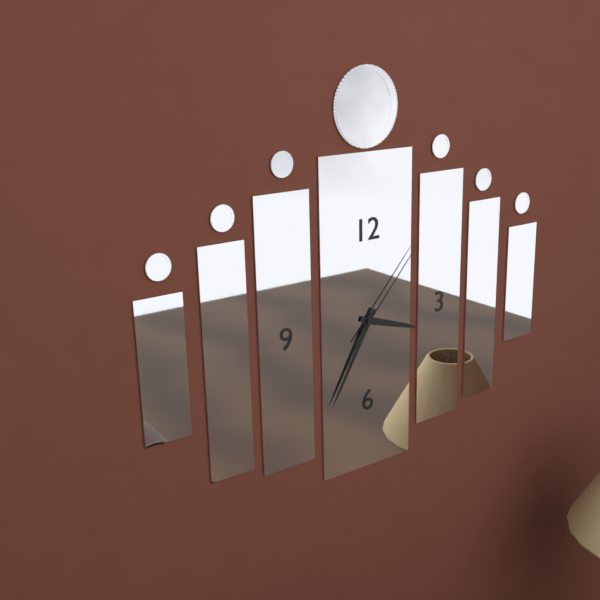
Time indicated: 3:35:07
